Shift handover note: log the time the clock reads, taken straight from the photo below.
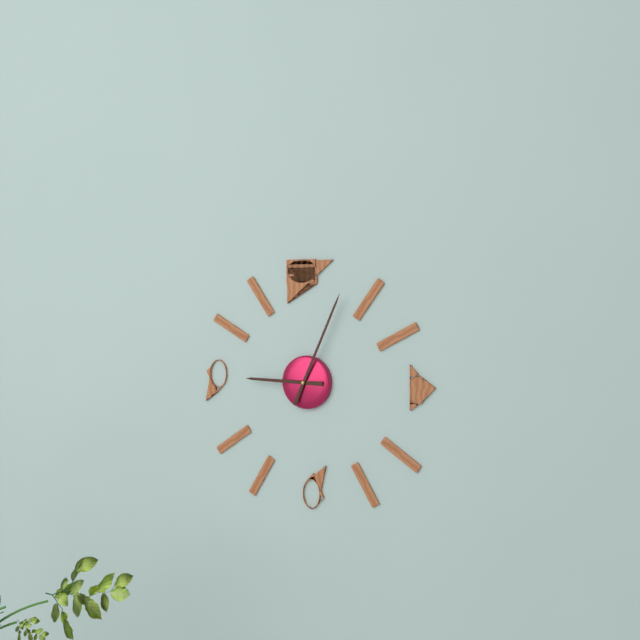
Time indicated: 9:04
